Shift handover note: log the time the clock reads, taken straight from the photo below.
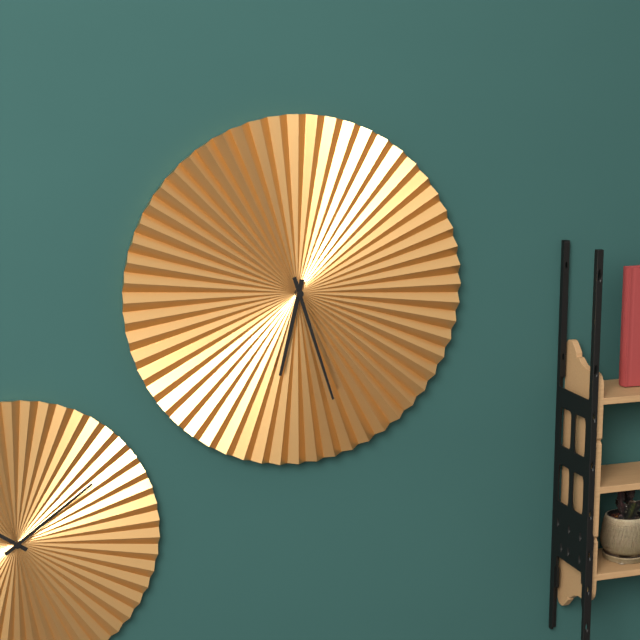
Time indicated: 6:27
